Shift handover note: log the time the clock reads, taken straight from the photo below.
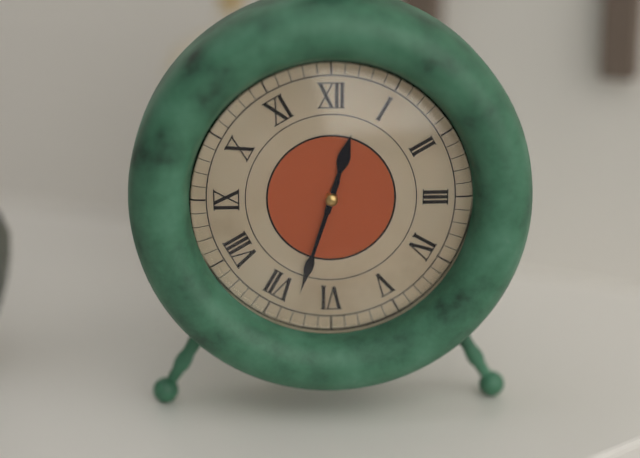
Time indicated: 12:33
